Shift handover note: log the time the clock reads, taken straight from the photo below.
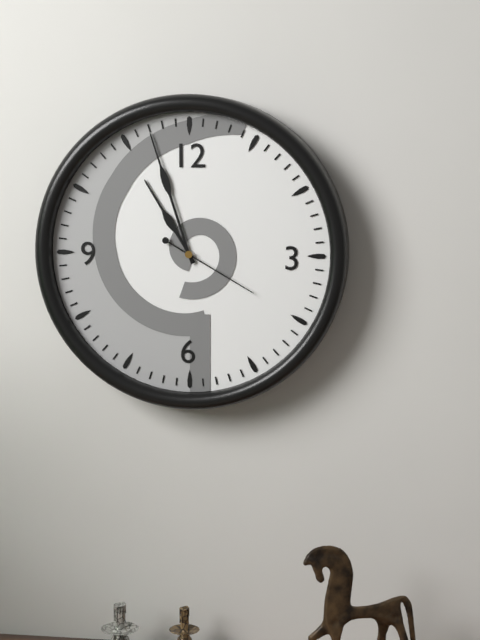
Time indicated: 10:57:20
